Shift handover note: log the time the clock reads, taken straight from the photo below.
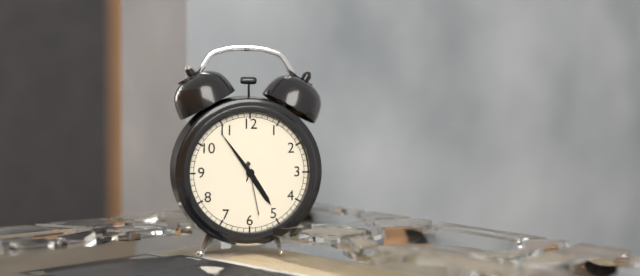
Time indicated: 4:54:28
